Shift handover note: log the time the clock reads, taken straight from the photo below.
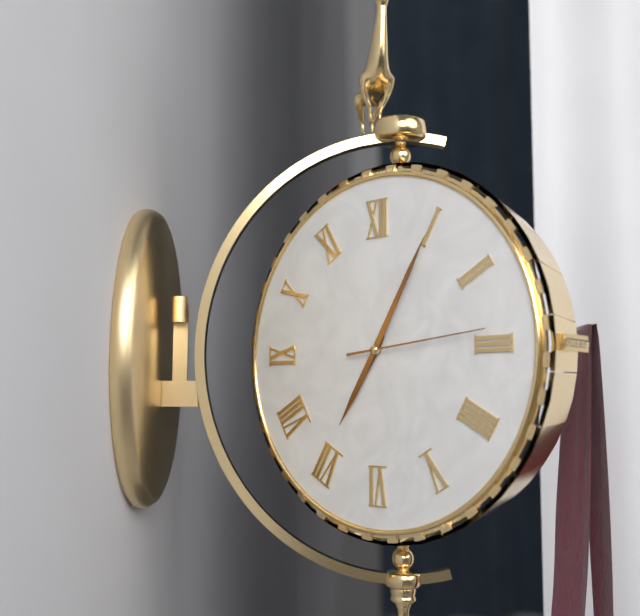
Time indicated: 7:05:14
